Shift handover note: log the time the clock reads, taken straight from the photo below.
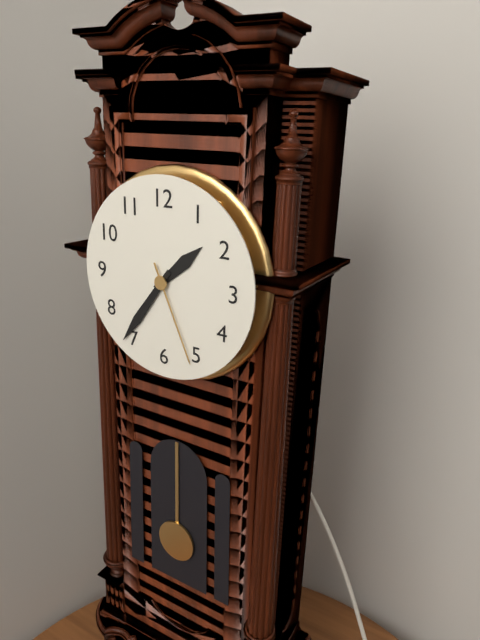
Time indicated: 1:36:26
